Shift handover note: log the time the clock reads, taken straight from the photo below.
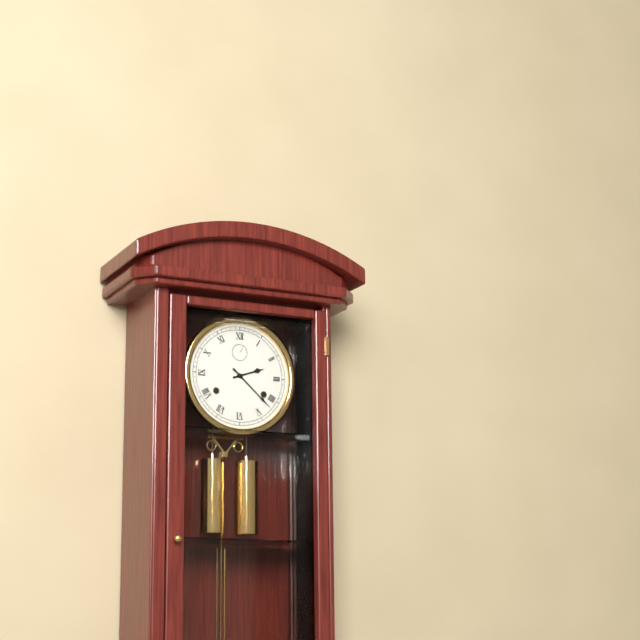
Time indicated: 2:22
